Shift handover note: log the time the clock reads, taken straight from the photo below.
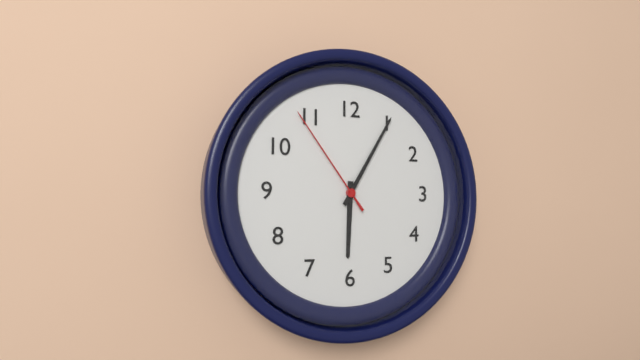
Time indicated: 6:05:54
